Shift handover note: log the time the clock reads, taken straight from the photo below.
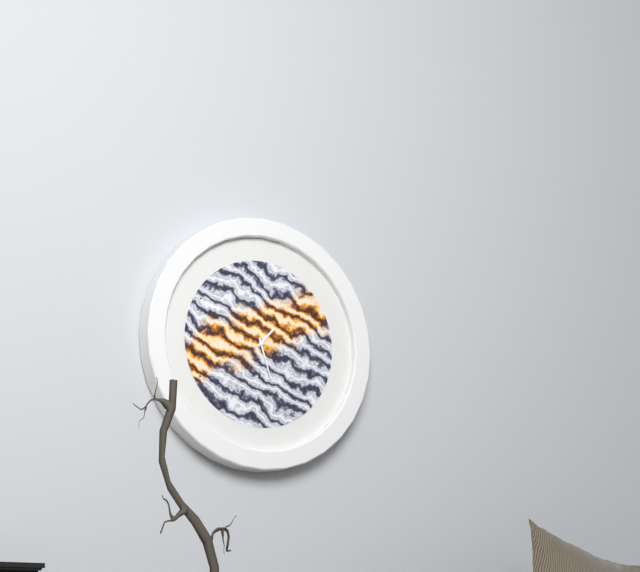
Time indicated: 1:27
